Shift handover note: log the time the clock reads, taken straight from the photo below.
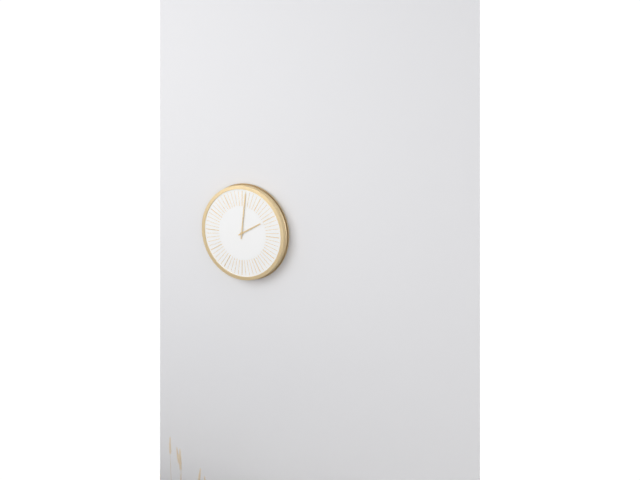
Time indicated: 2:01
